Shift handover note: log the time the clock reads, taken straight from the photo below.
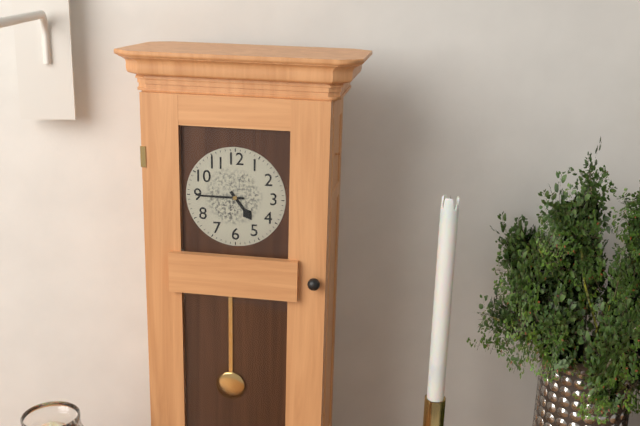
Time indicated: 4:45
